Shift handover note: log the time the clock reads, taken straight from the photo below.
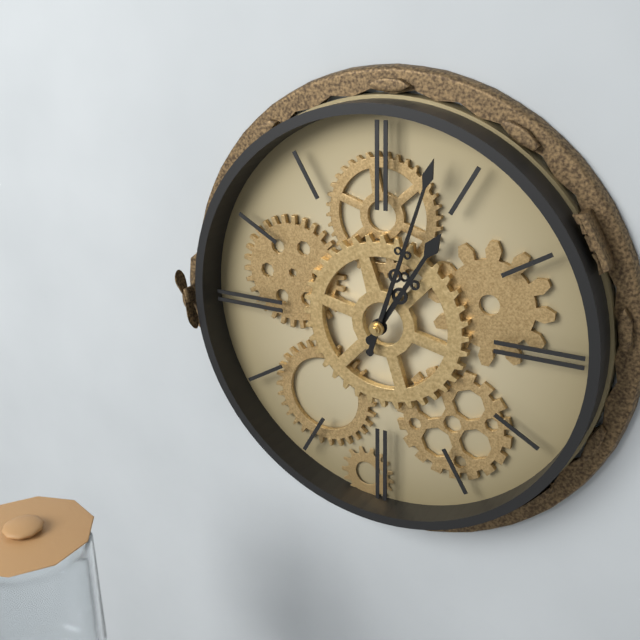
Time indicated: 1:03
